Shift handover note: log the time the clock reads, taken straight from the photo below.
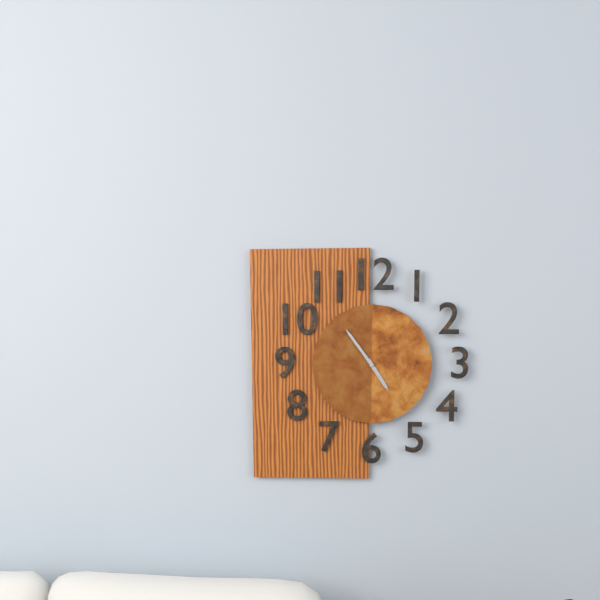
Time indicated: 4:54
